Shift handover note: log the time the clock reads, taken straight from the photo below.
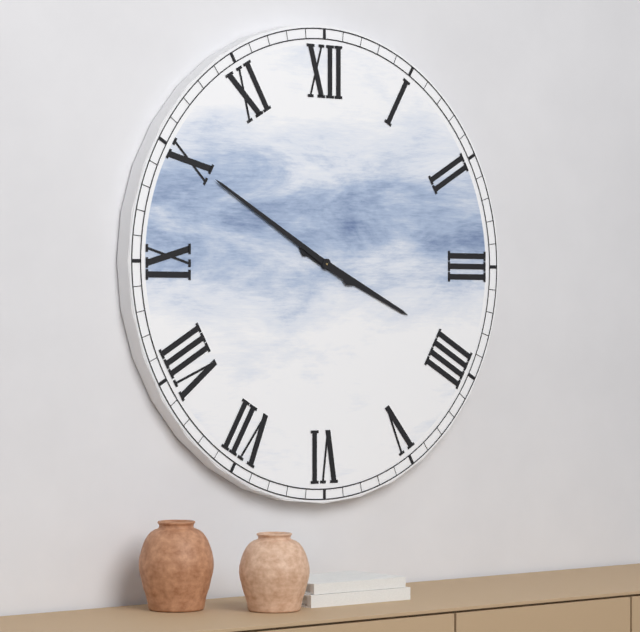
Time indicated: 3:50
